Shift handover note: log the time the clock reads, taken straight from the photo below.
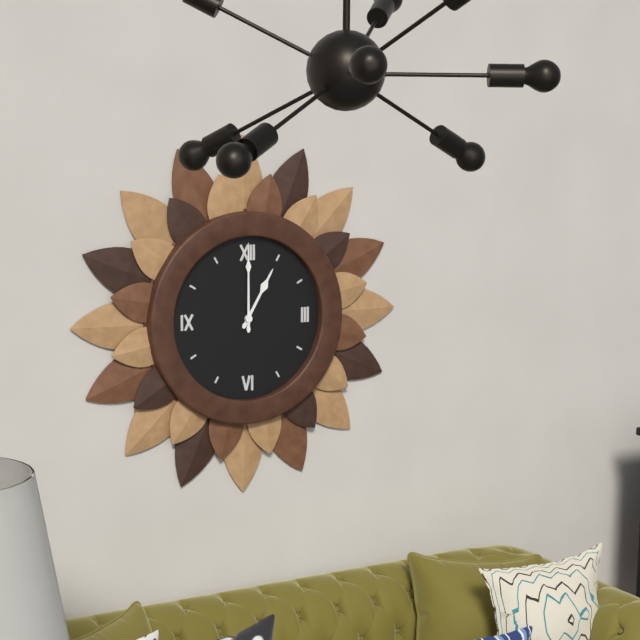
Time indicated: 1:00
